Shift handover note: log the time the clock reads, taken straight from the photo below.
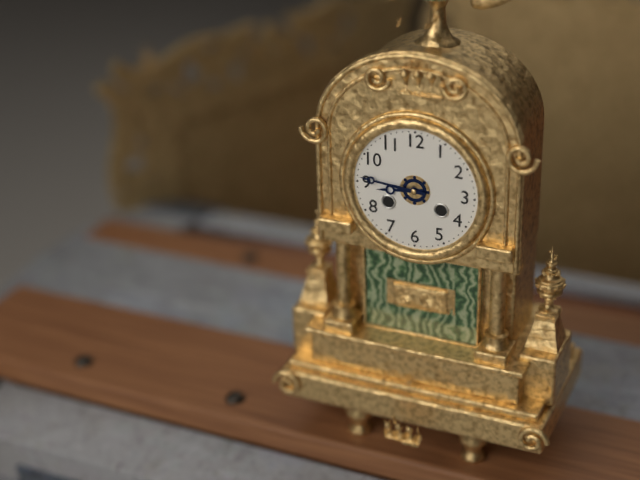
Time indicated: 8:46
